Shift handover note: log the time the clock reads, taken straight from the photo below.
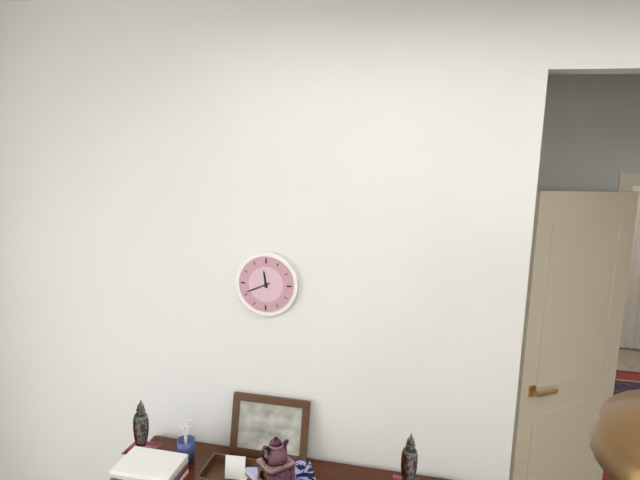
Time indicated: 11:41
